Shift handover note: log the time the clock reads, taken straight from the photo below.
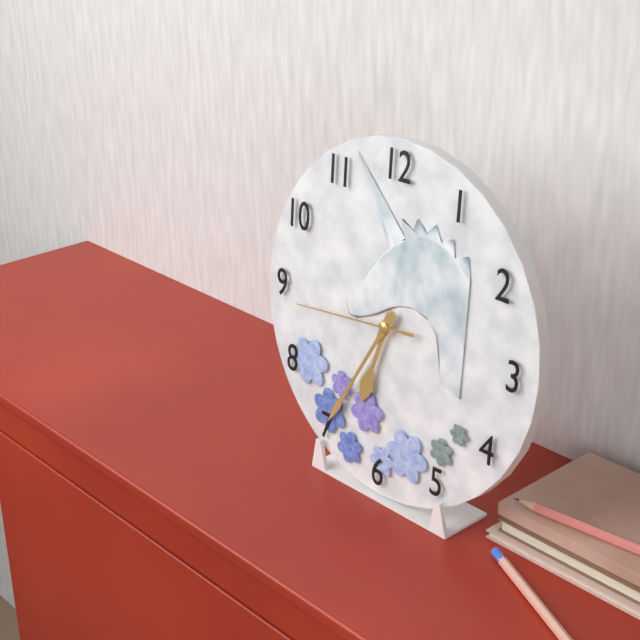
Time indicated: 6:35:44
